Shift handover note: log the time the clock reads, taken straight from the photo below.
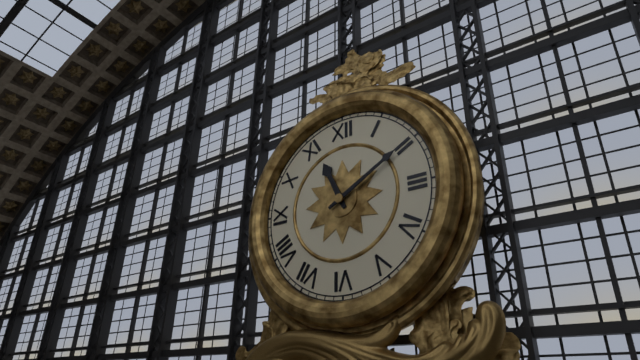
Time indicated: 11:10
